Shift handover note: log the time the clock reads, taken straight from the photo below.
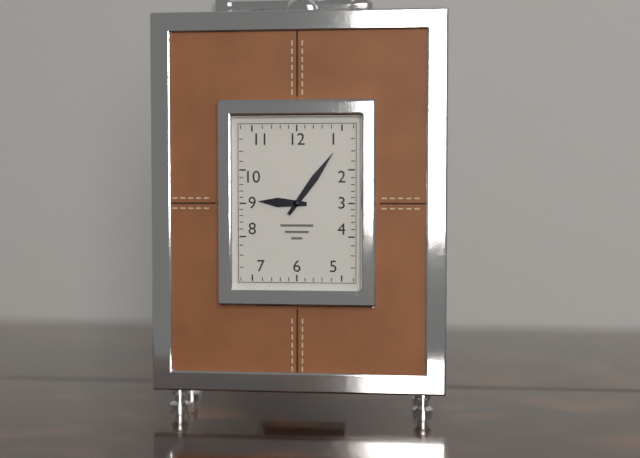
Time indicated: 9:06
